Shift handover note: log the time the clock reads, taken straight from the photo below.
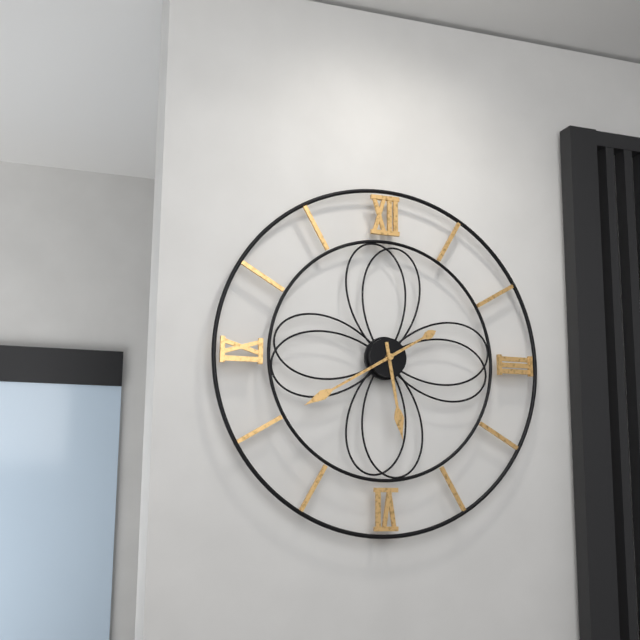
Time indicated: 5:40
